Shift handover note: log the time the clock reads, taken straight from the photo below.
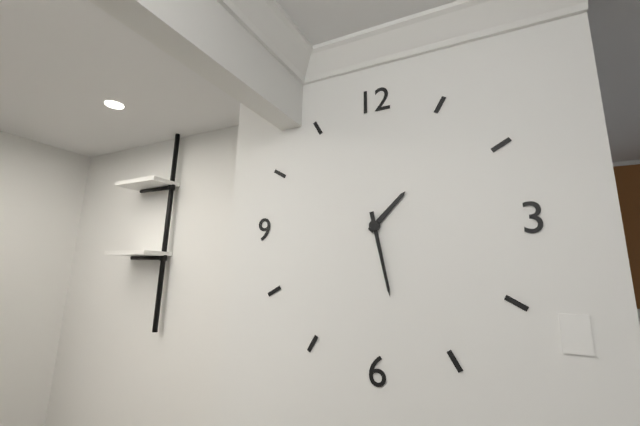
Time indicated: 1:28
